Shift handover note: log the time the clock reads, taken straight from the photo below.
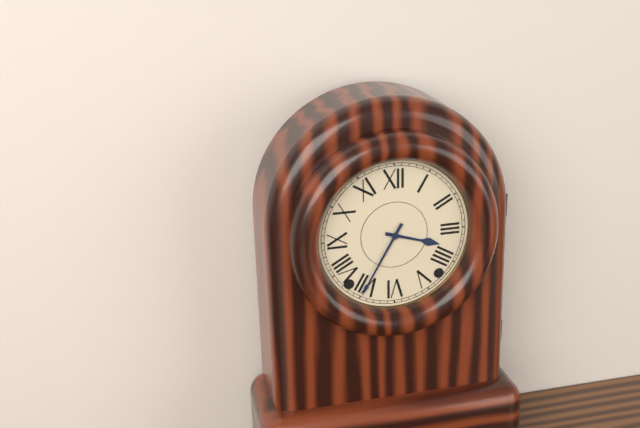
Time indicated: 3:35
